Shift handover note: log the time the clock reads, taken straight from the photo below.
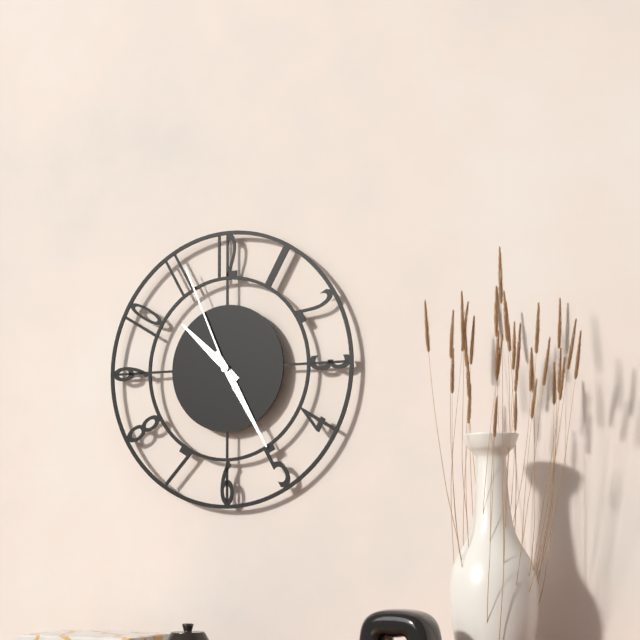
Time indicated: 10:25:56
